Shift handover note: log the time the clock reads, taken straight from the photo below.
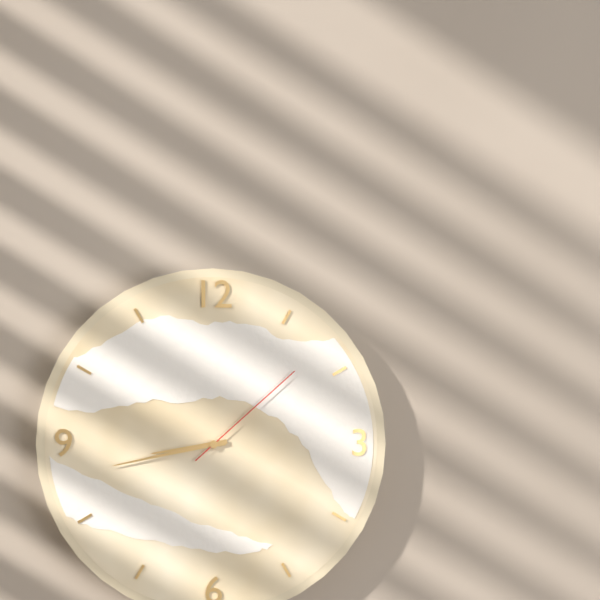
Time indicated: 8:43:08
